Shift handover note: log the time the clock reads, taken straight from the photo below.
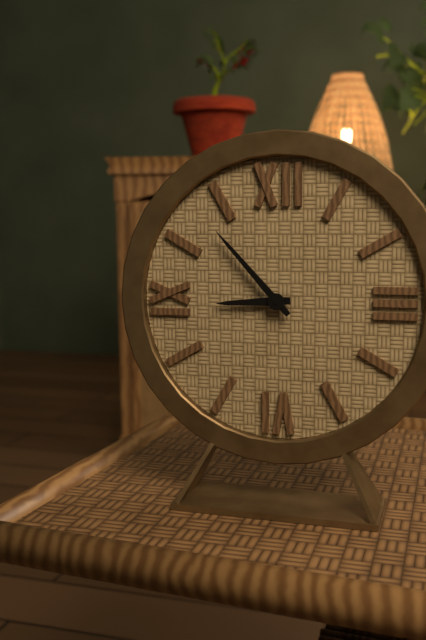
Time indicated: 8:53
